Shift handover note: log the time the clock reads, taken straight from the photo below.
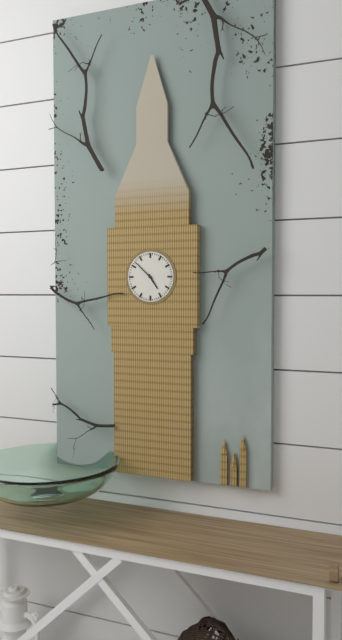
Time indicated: 4:52
